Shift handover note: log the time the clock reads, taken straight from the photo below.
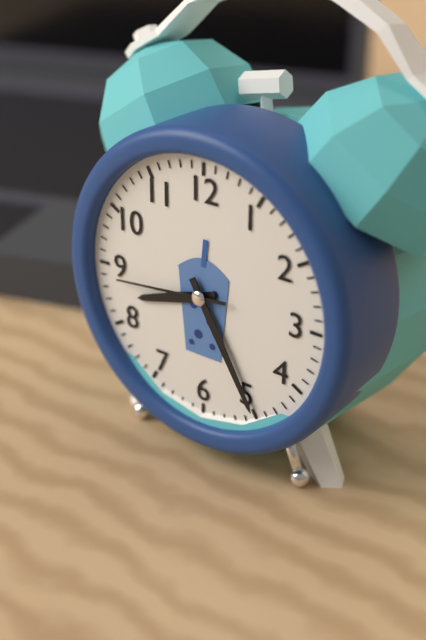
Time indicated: 8:25:44
